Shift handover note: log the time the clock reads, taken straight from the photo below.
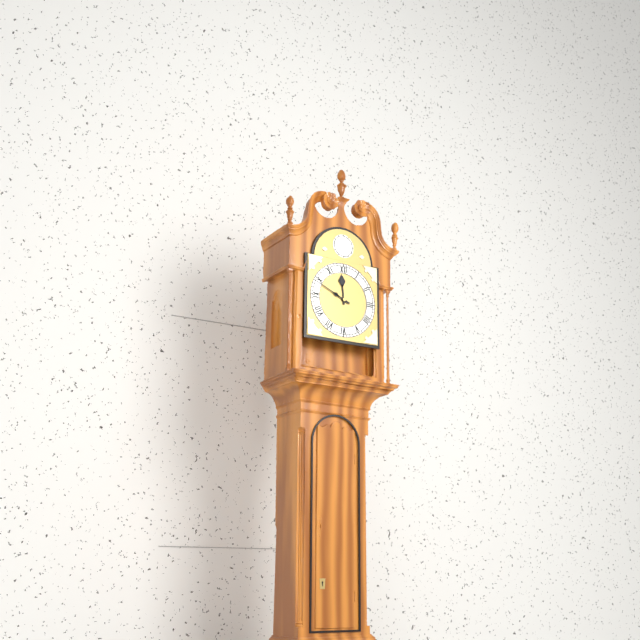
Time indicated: 11:49
